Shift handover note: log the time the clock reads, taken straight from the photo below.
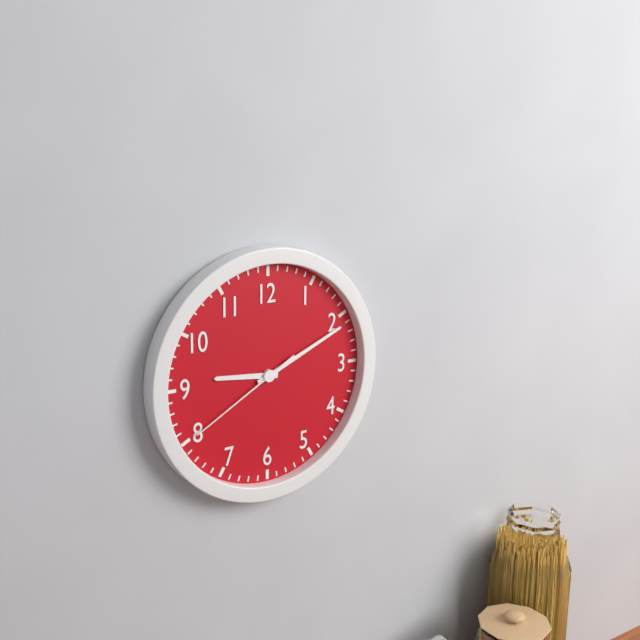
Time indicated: 9:11:40
